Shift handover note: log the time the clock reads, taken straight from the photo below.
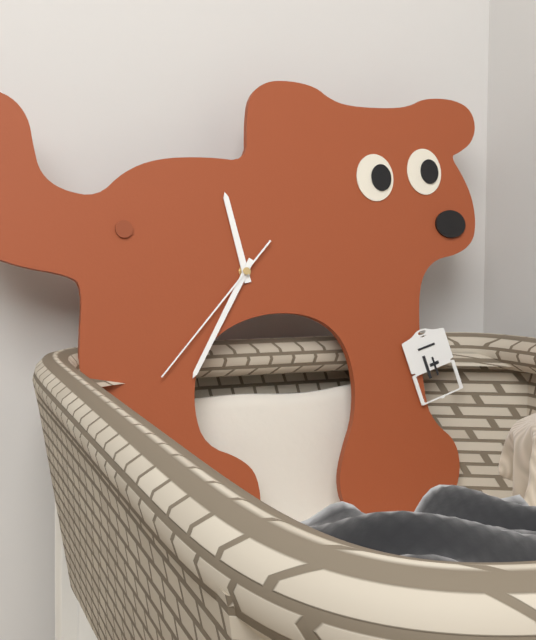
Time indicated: 11:35:37
